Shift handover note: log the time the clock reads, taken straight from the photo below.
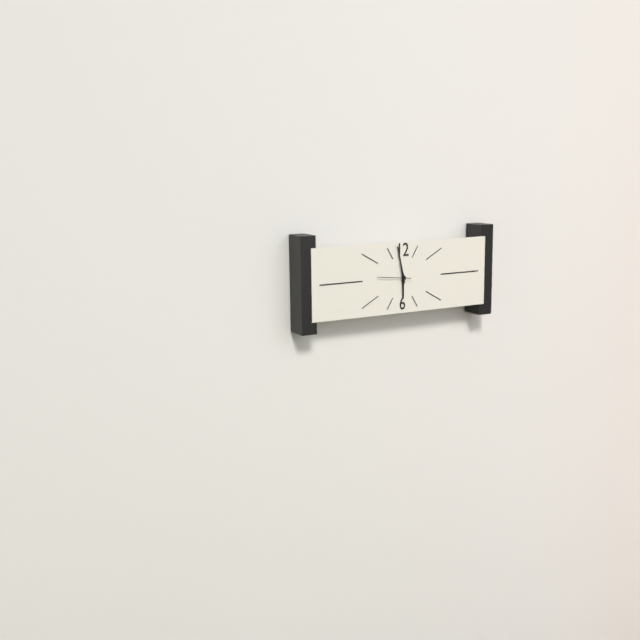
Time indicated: 5:58
